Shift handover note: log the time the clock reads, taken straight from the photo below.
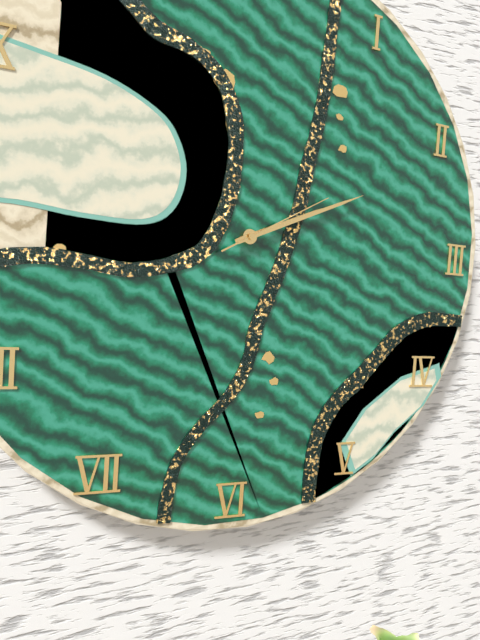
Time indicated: 2:11:10
